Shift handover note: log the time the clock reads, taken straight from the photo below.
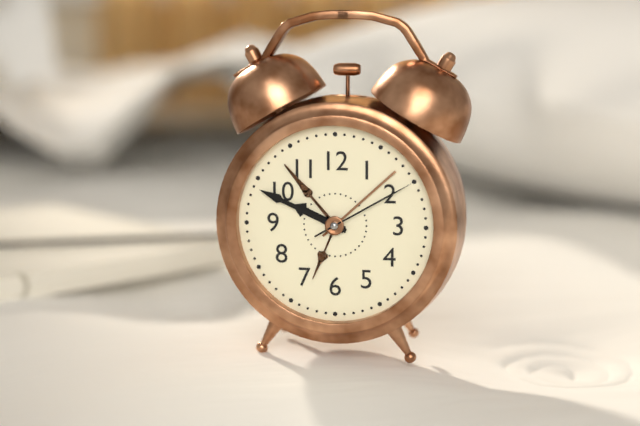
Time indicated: 9:49:10
